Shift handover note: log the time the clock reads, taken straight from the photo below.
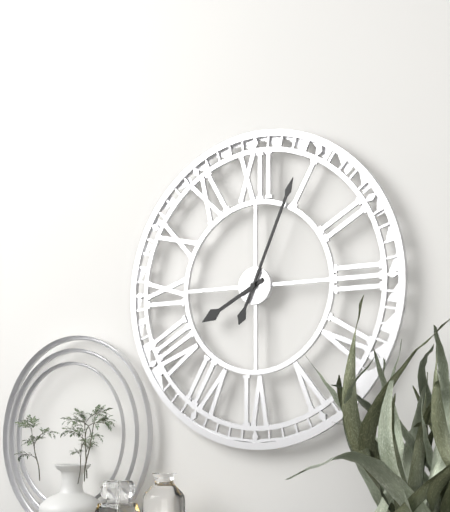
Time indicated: 8:04
